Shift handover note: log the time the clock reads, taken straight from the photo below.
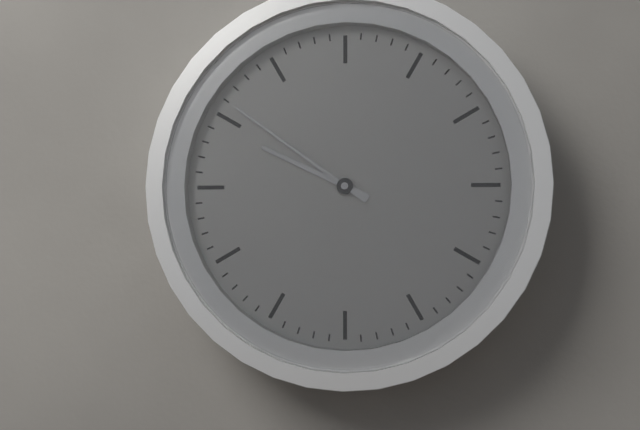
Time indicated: 9:51
